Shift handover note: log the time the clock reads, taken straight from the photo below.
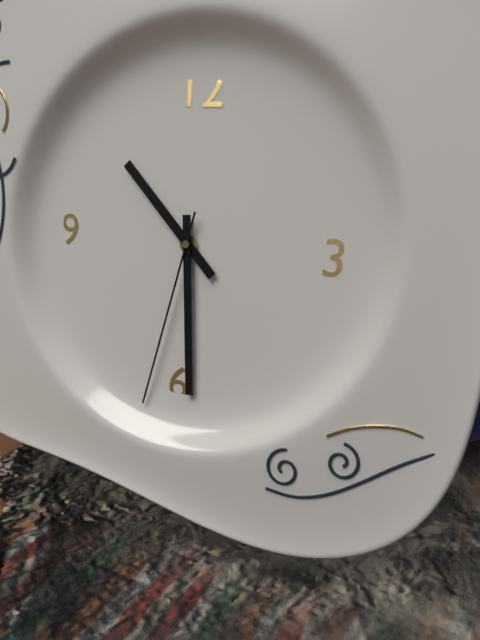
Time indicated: 10:29:32
